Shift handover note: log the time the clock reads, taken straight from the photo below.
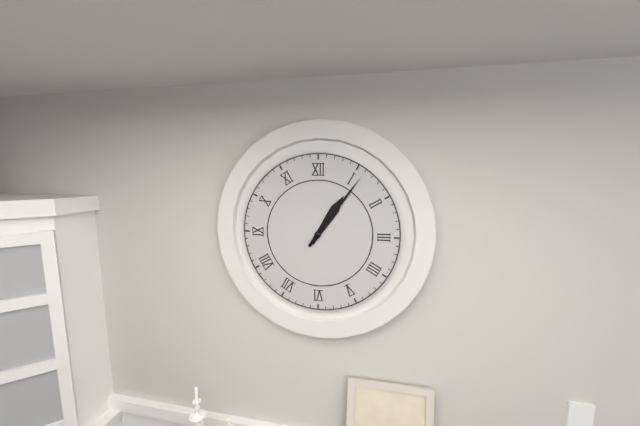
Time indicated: 1:06
